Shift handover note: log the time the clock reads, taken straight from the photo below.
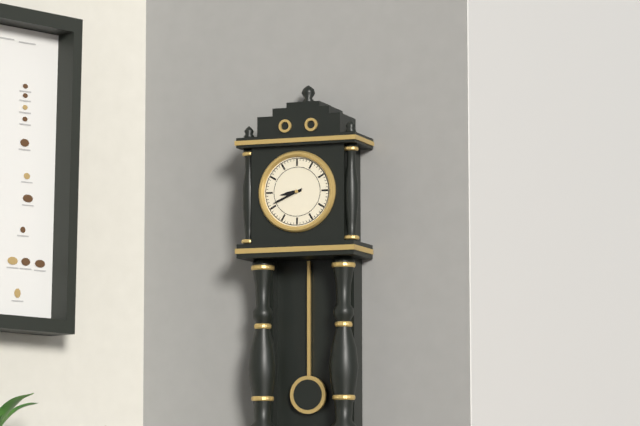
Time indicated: 8:41
